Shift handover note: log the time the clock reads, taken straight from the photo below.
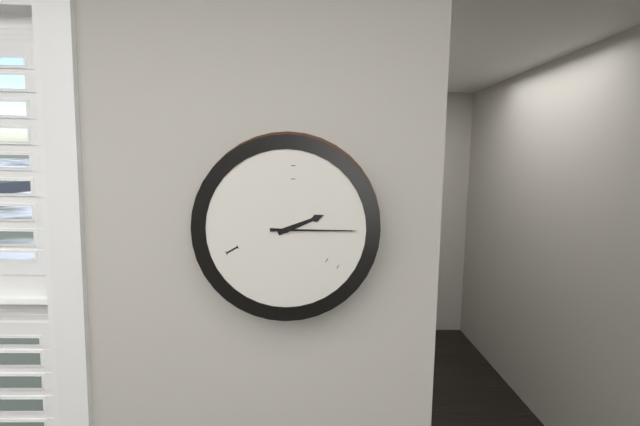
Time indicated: 2:15
